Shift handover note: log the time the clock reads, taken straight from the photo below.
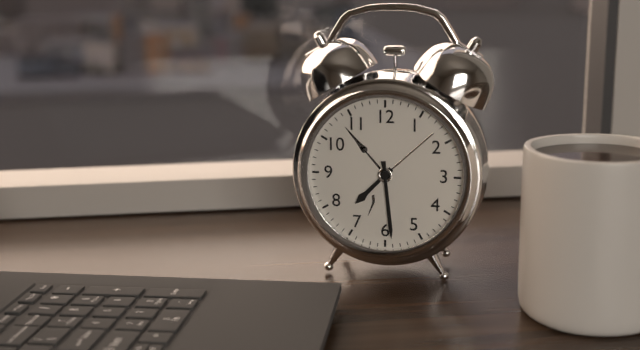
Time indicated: 7:29
